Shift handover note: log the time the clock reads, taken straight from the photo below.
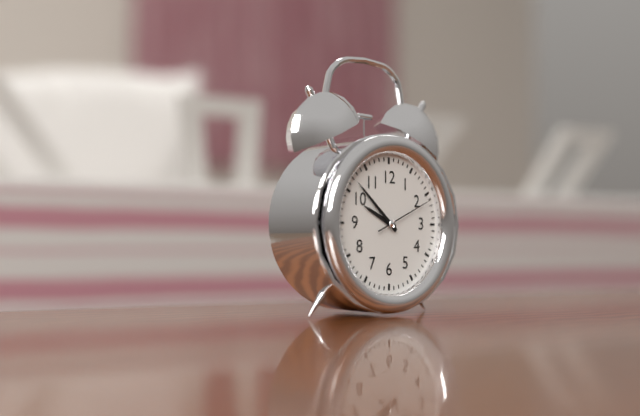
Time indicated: 9:52:11
